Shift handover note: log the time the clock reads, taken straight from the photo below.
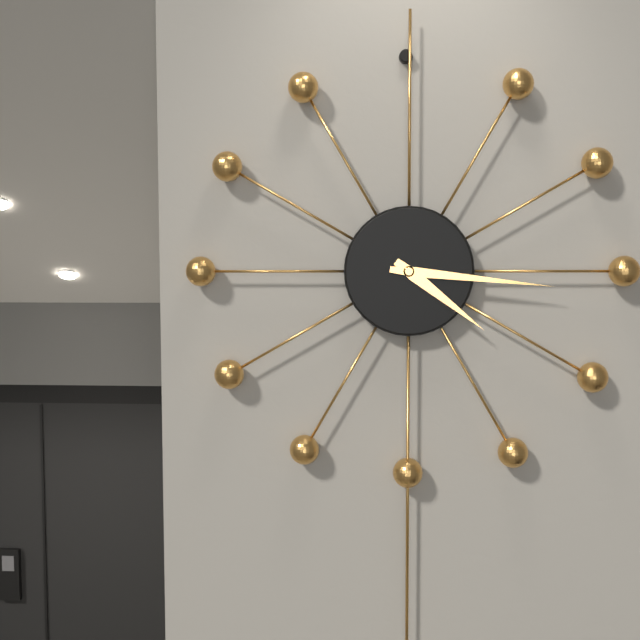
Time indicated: 4:16
